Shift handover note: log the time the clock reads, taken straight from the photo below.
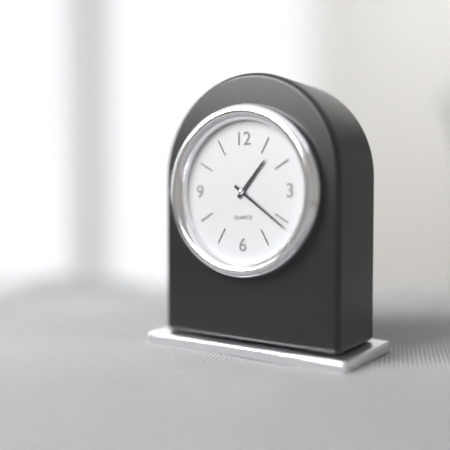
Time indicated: 1:21
